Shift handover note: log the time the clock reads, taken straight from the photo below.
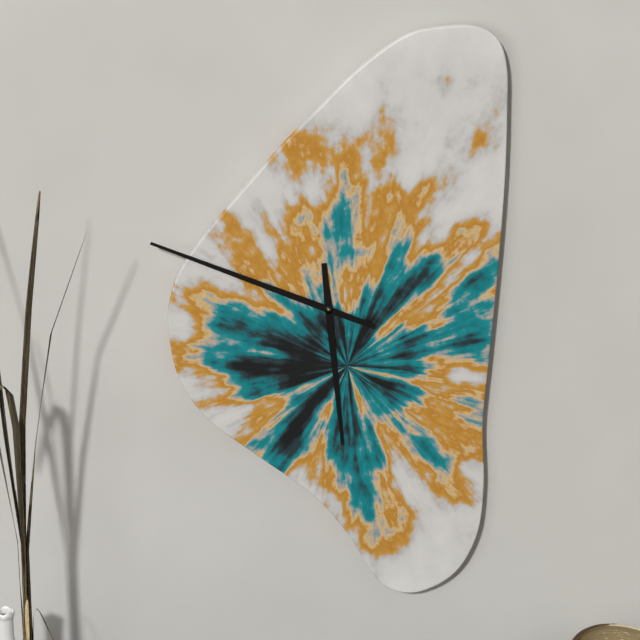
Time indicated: 5:49
